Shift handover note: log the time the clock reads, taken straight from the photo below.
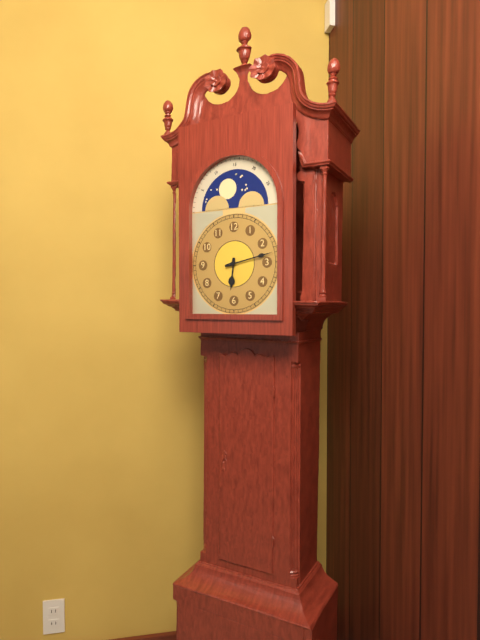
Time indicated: 6:13
